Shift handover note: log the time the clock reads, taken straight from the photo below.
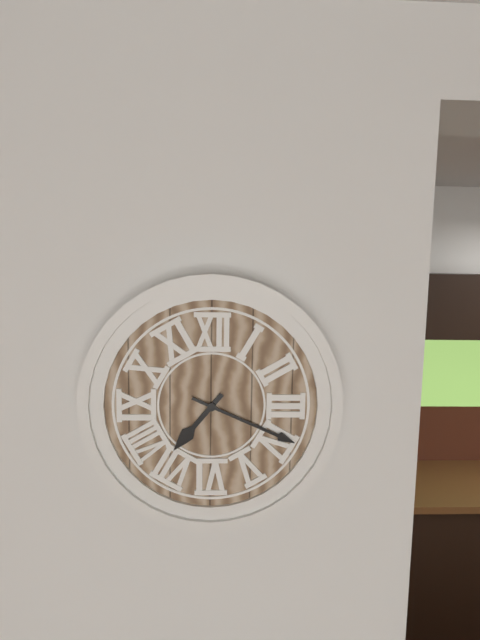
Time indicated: 7:19
